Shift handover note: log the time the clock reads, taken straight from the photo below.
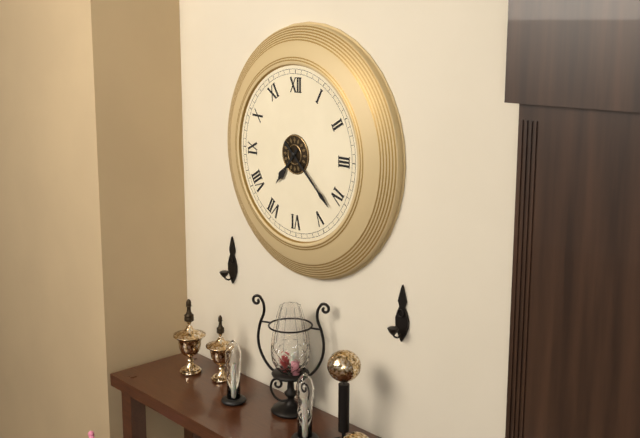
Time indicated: 7:22
